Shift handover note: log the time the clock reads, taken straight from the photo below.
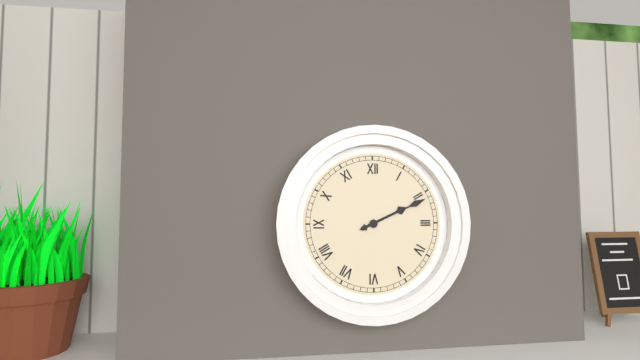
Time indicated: 2:11
